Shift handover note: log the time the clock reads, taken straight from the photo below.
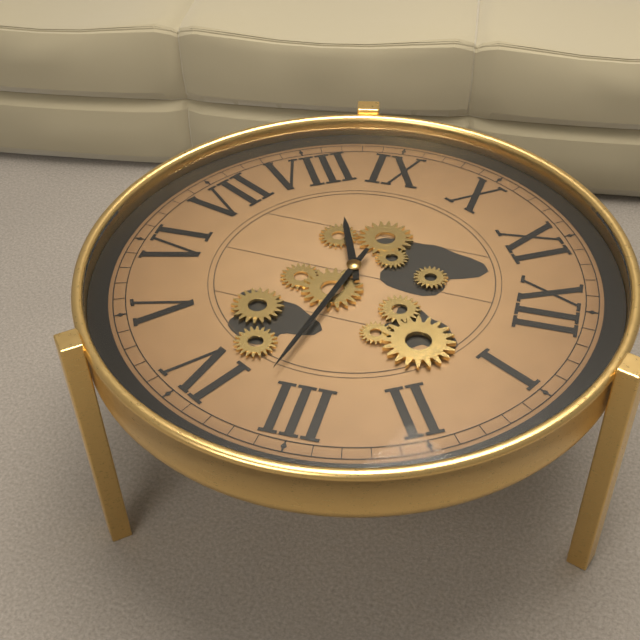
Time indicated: 8:17
